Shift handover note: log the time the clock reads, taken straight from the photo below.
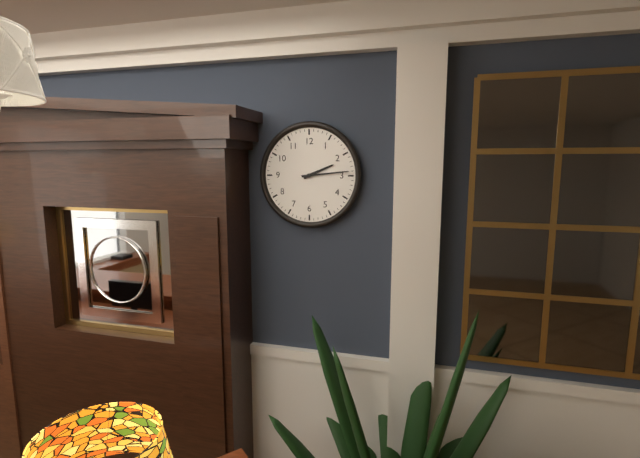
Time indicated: 2:14
